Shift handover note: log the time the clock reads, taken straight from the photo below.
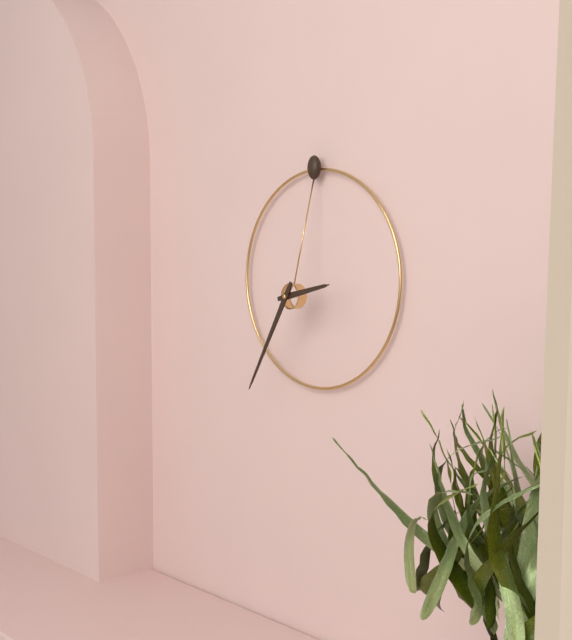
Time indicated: 2:35
